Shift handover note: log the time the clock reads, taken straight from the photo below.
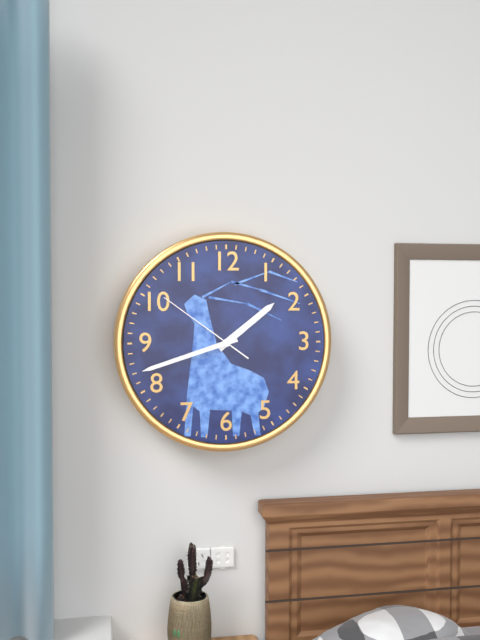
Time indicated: 1:42:51
